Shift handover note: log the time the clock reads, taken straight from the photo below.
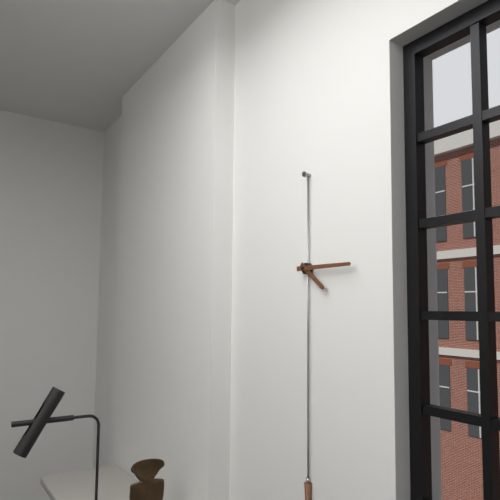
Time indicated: 4:15
